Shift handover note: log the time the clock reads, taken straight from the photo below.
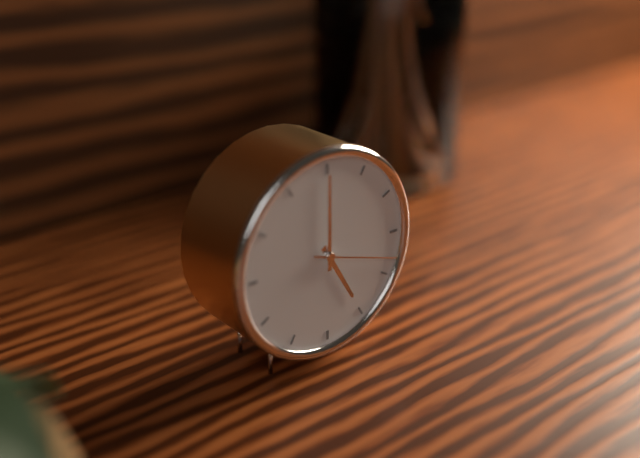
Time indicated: 5:00:18
